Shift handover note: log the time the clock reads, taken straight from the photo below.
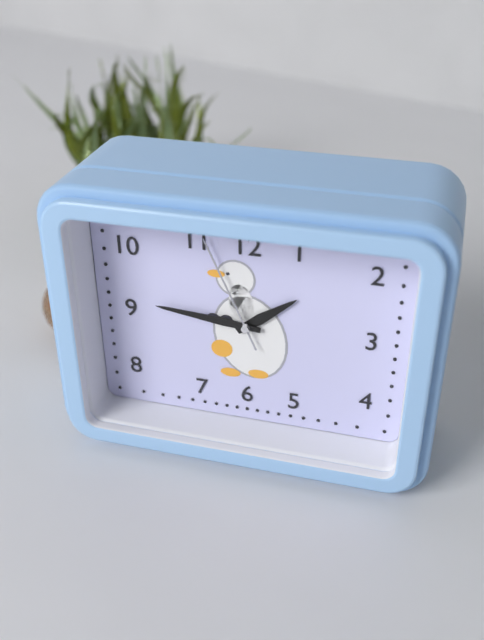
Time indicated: 1:46:56
